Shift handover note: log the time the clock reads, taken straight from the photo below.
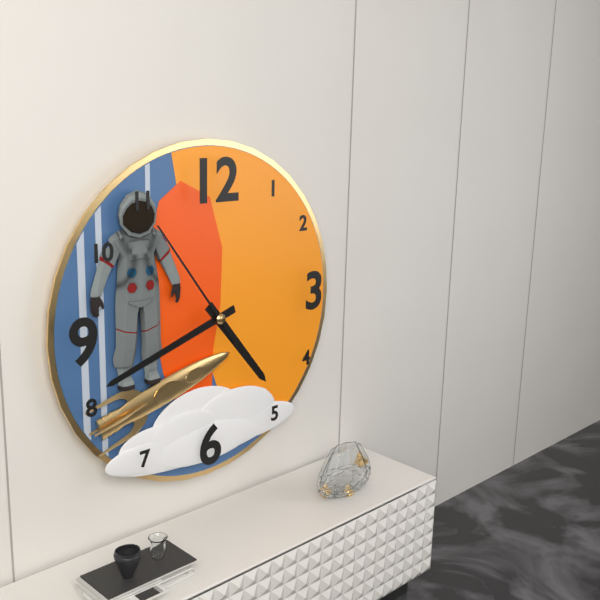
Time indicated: 4:42:54
